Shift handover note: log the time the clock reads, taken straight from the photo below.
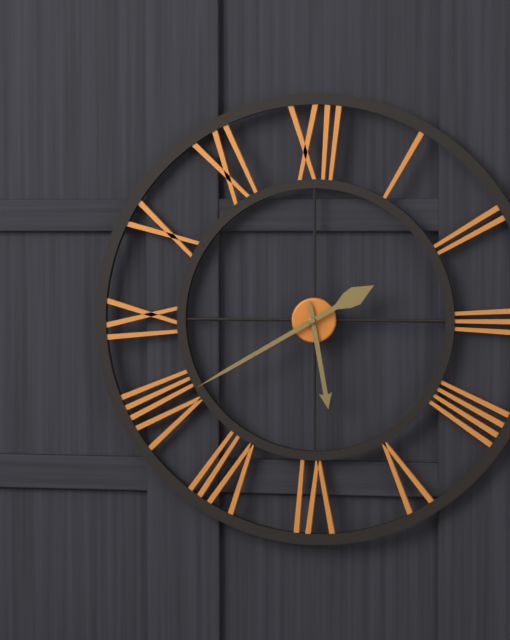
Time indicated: 5:40
